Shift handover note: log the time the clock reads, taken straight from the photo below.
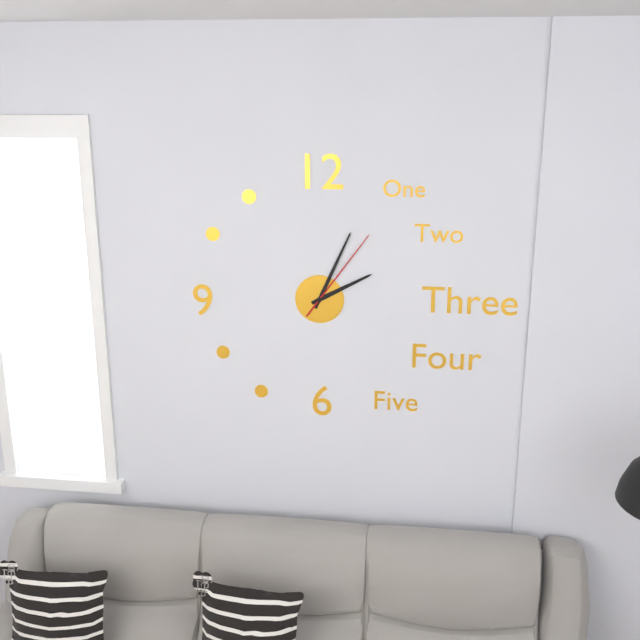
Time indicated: 2:04:06
